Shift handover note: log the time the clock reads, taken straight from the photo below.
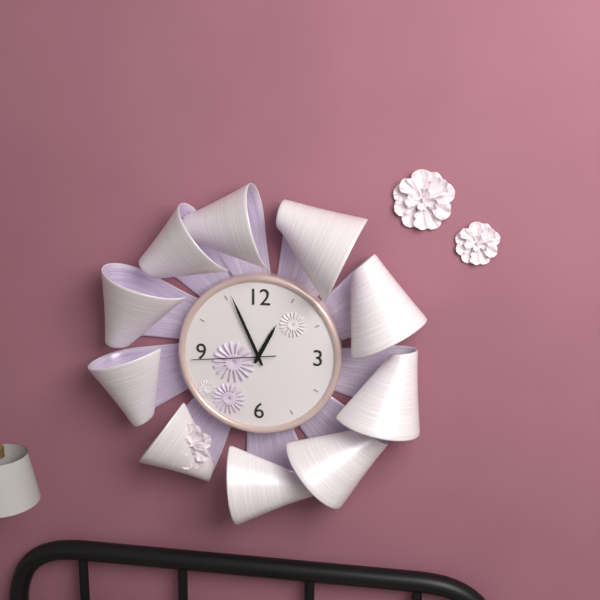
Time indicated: 12:56:44
